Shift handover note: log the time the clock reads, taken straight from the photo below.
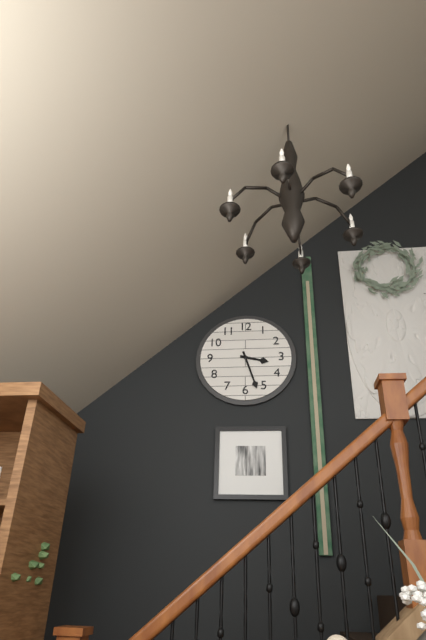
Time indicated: 3:27
